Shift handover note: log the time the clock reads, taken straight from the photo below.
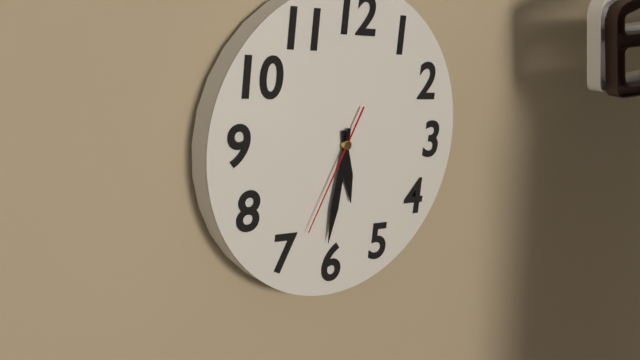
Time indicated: 5:31:34
